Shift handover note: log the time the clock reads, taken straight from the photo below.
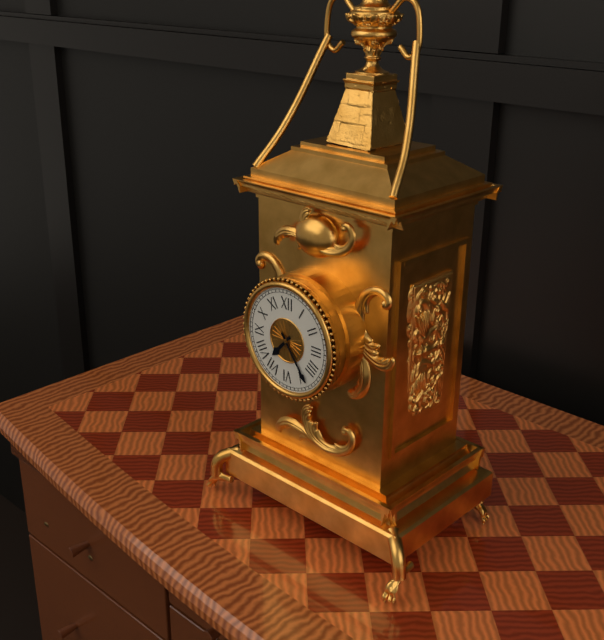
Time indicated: 7:24
